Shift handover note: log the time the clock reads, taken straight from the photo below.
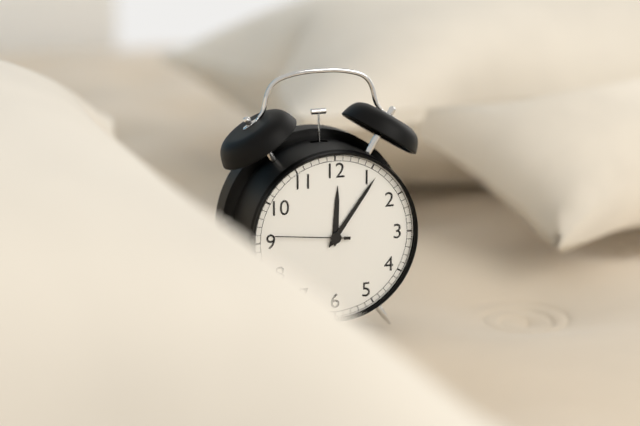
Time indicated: 12:06:46
